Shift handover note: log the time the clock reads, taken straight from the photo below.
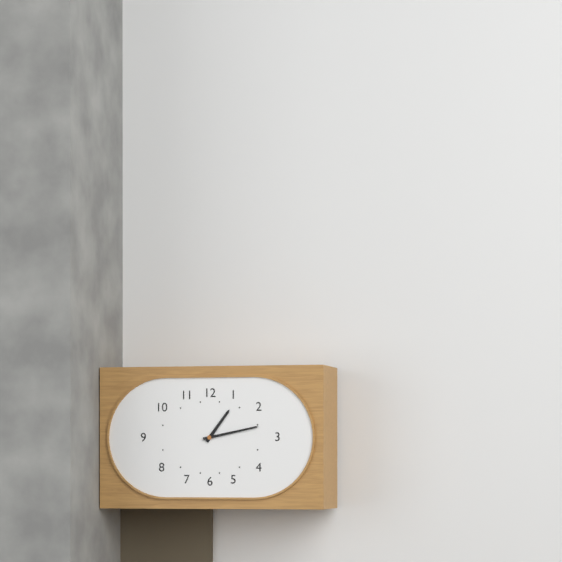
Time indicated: 1:13
